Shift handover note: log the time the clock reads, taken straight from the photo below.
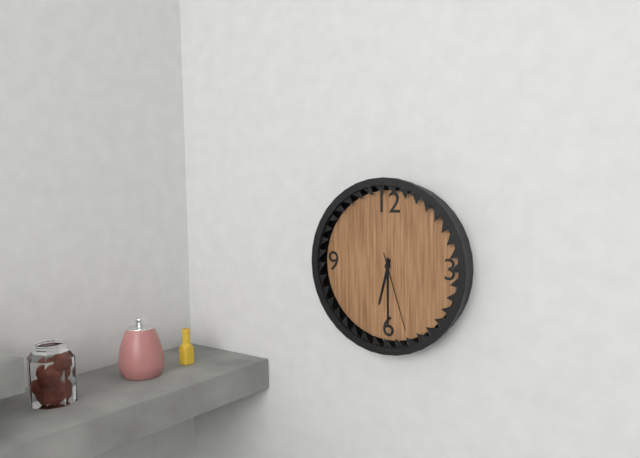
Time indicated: 6:30:27
